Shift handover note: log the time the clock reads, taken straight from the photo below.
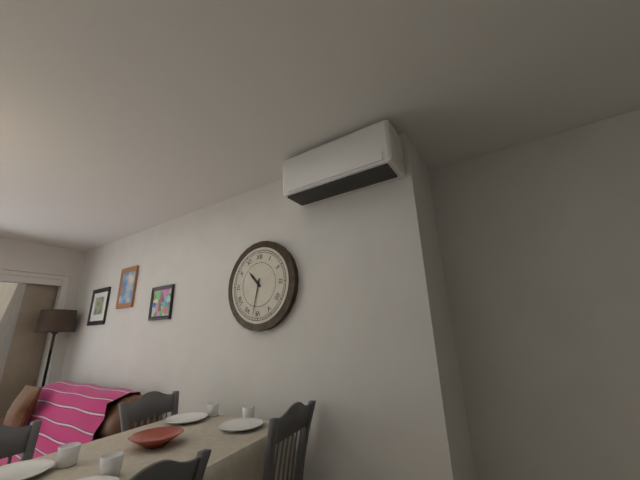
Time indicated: 10:32
